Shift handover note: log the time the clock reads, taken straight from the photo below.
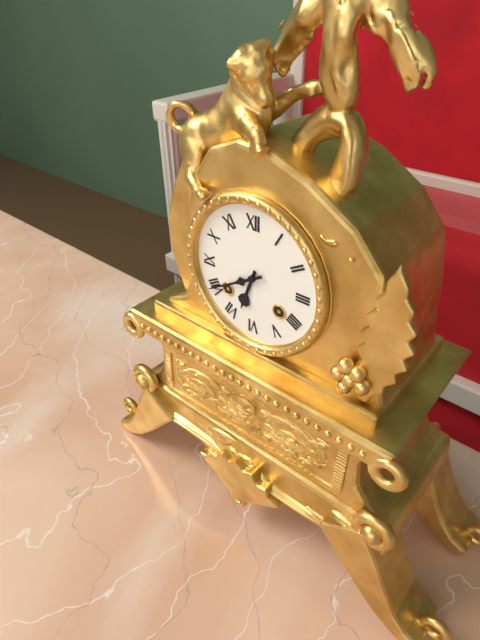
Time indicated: 6:40
